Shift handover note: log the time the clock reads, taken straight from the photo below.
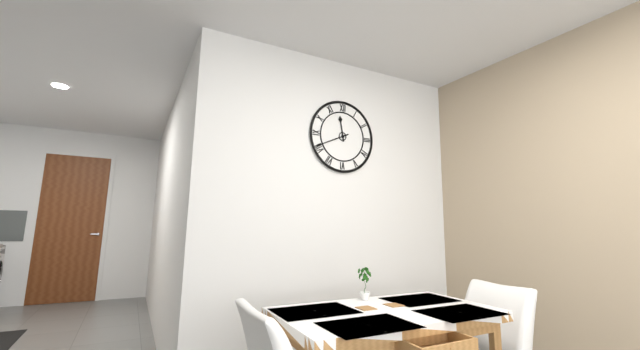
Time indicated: 11:41
